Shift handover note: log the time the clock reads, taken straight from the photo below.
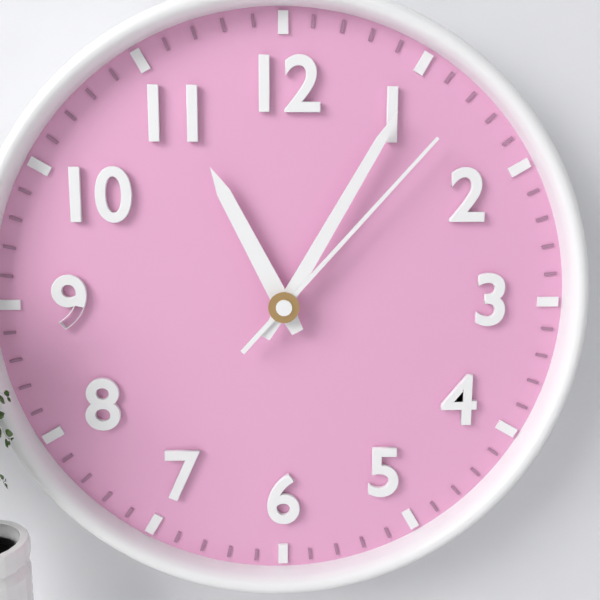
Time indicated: 11:05:07
